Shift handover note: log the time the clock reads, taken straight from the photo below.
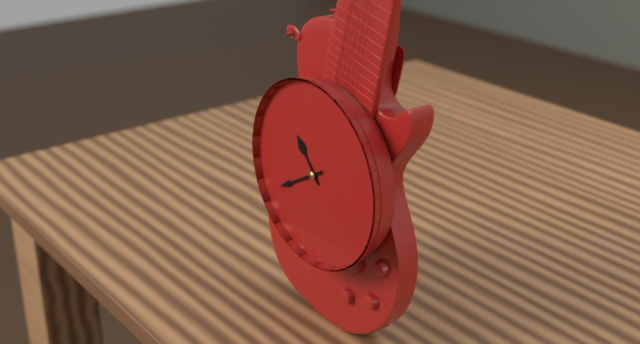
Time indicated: 10:40
